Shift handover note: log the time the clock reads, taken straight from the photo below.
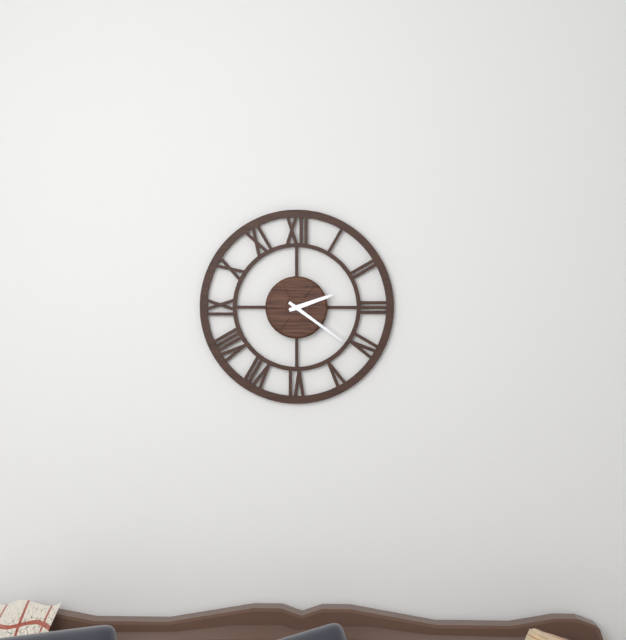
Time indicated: 2:21
